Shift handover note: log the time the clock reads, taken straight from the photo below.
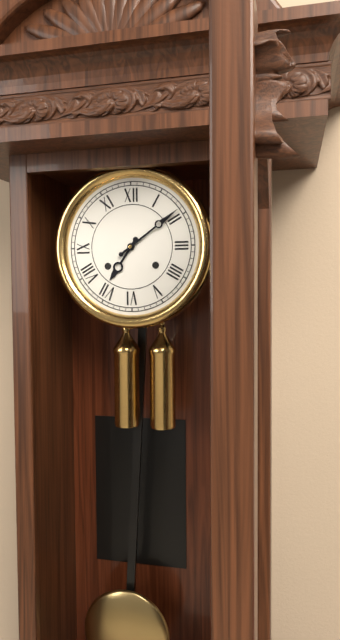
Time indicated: 7:09
